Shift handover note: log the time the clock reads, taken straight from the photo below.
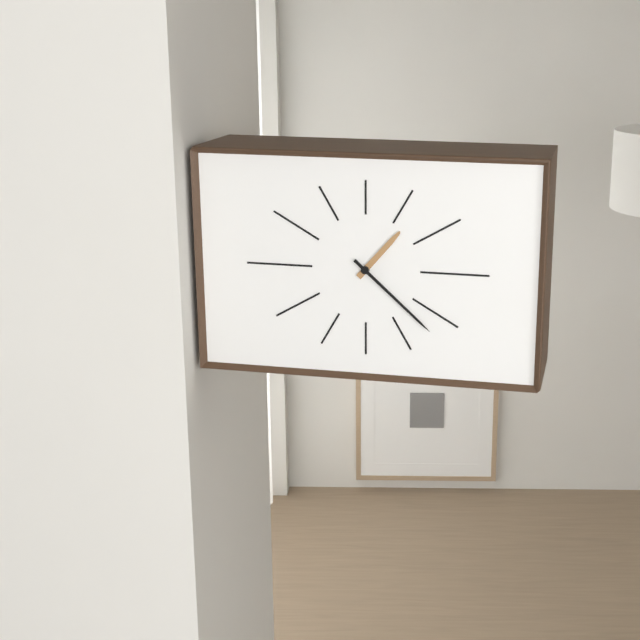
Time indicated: 1:22
